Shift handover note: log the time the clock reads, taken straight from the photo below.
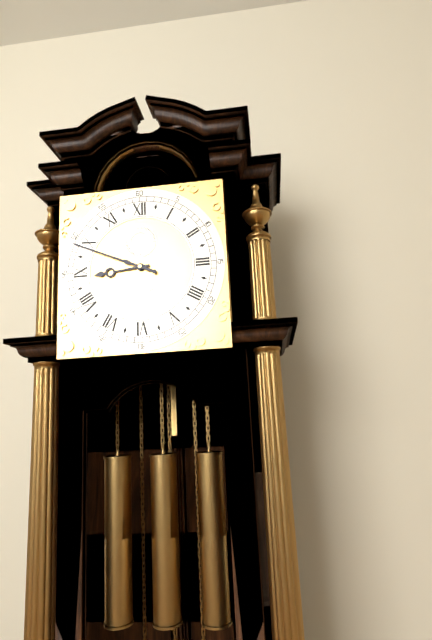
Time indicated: 8:49
